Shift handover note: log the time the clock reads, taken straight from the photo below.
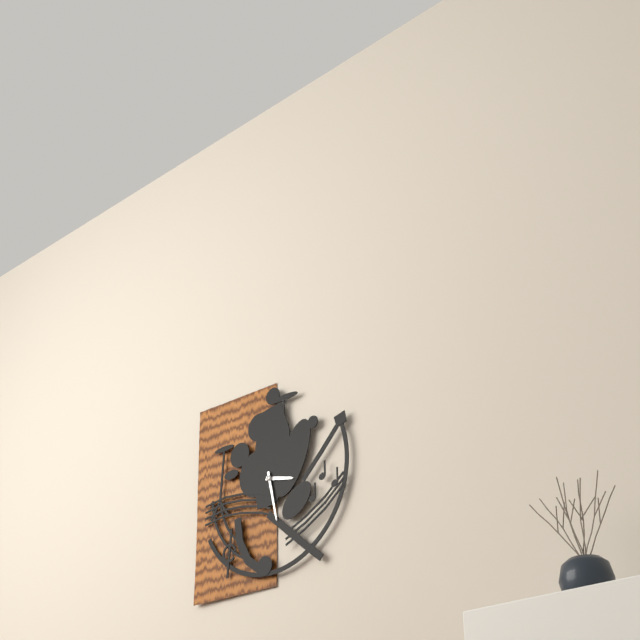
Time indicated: 3:28
